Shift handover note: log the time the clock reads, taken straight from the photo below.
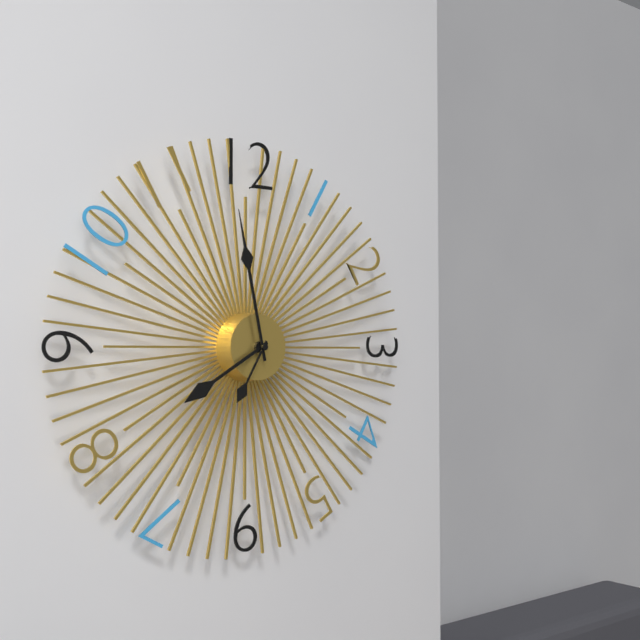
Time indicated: 7:58:35
